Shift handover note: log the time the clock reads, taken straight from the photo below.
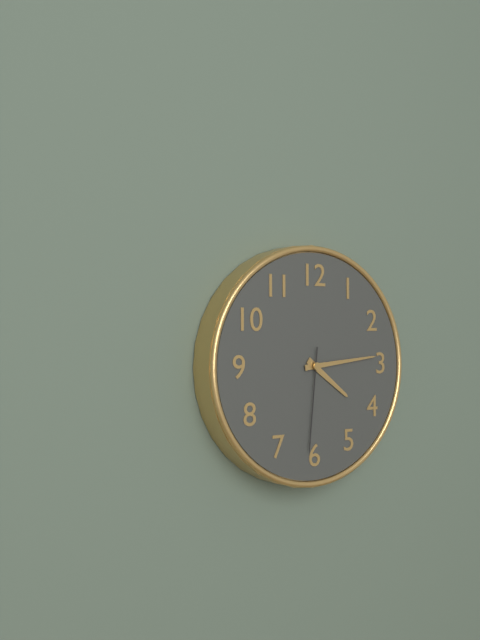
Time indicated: 4:14:31
